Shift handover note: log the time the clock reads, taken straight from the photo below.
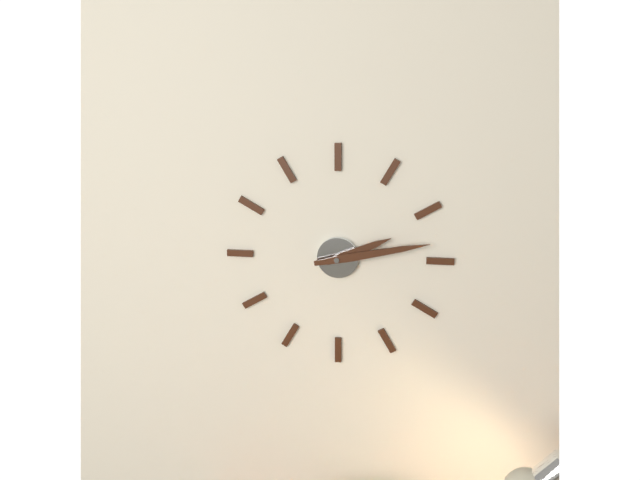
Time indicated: 2:13
